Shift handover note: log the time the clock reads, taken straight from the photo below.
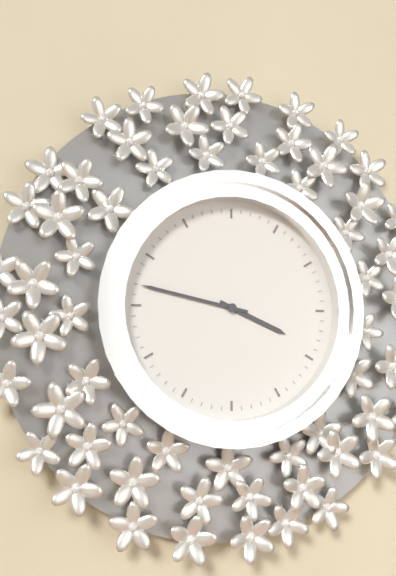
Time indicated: 3:47
